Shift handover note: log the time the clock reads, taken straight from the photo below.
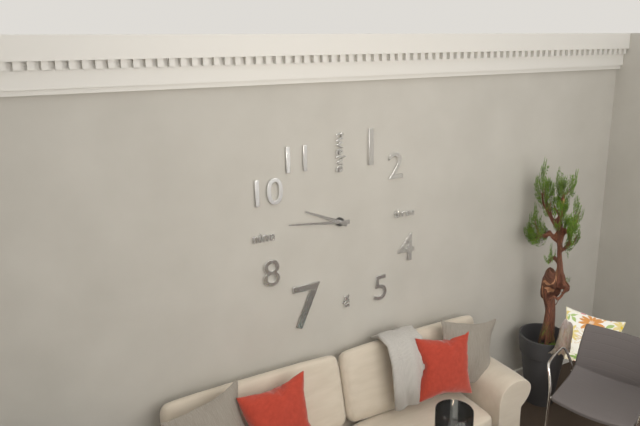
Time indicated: 9:46
